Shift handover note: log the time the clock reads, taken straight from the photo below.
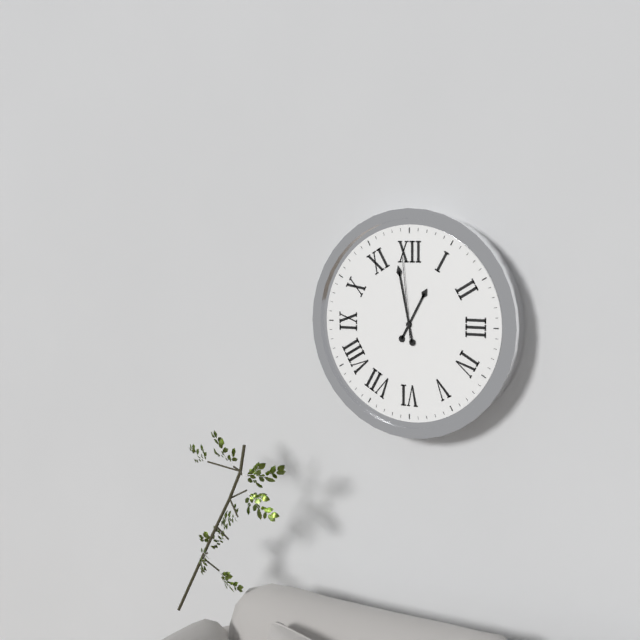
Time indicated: 12:58:59
